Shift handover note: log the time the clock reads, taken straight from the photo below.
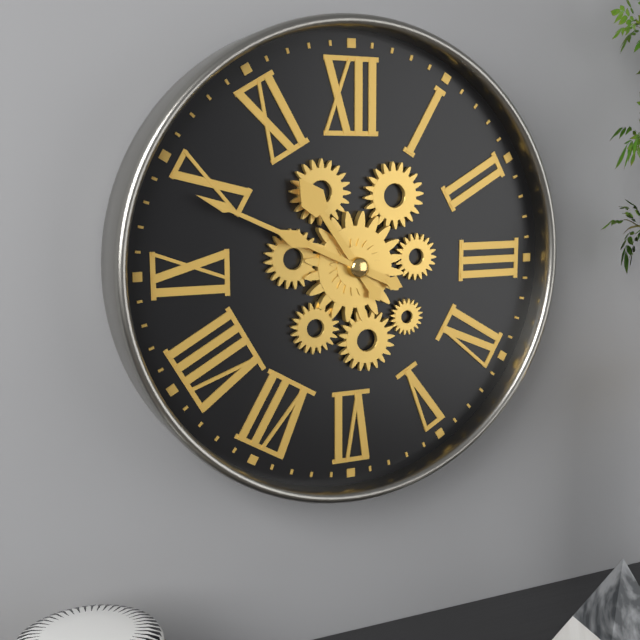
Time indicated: 10:49
